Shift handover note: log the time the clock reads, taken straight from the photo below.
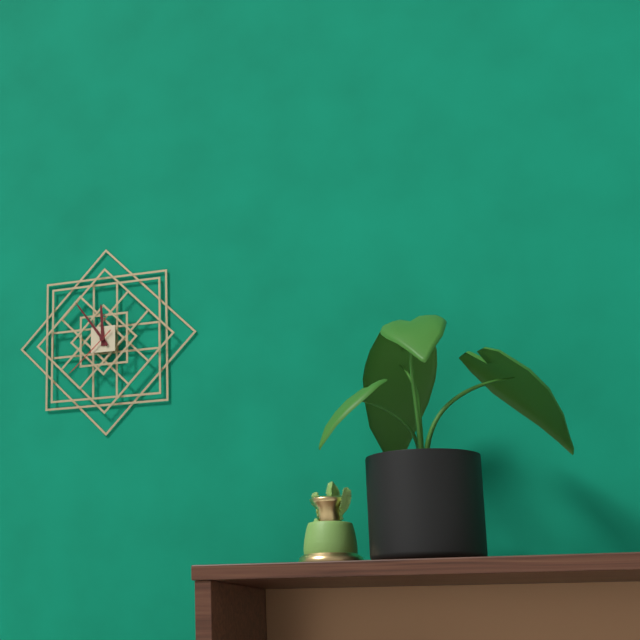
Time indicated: 11:54:38
